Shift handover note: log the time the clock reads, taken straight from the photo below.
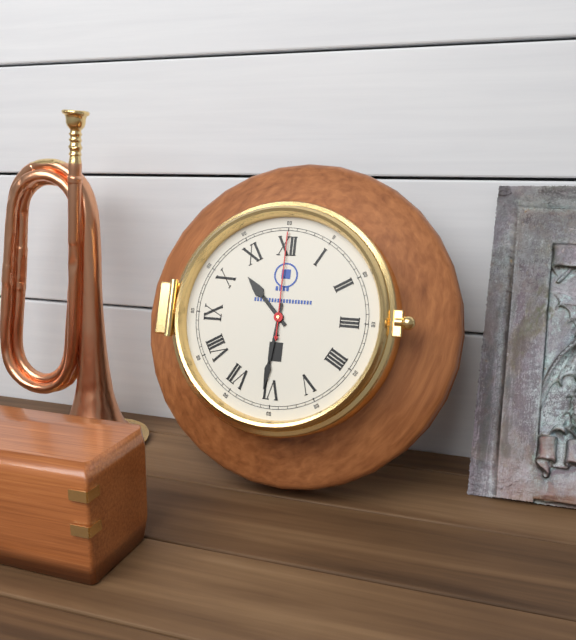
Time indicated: 10:31:00
